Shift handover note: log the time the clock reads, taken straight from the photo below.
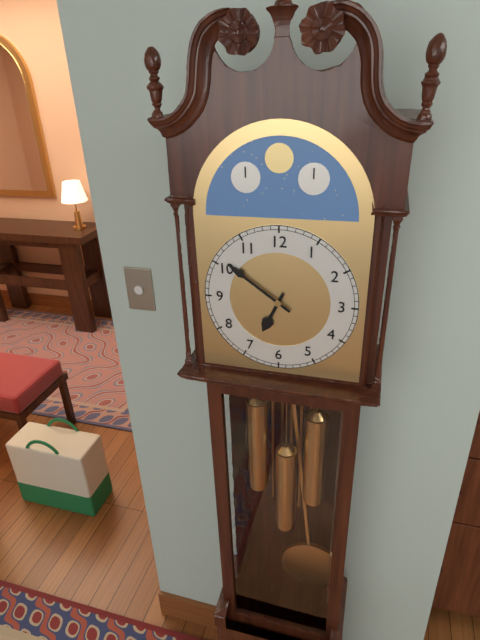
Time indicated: 6:51
